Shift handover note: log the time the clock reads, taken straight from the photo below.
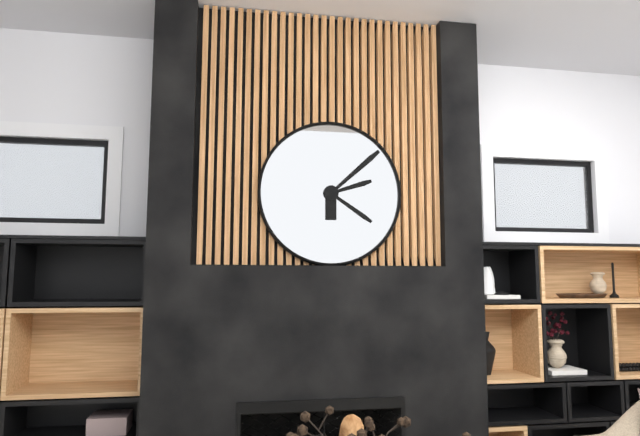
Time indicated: 4:08:12
